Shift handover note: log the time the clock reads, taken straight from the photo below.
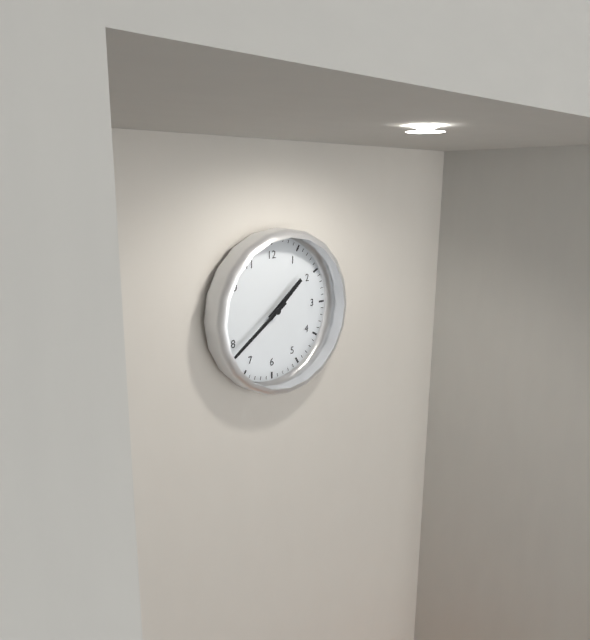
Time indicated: 1:39
